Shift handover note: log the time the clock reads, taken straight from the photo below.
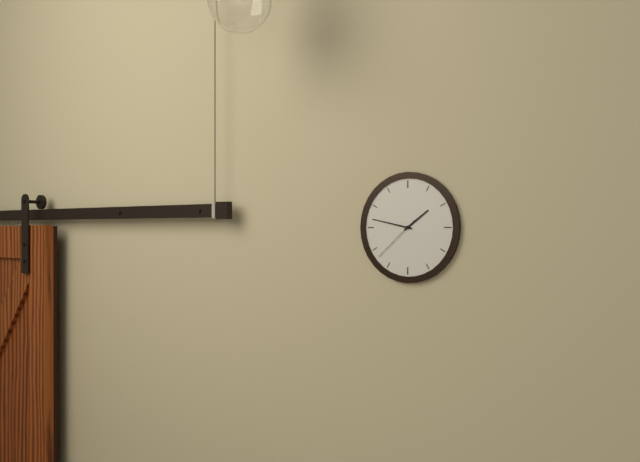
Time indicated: 1:47:38
